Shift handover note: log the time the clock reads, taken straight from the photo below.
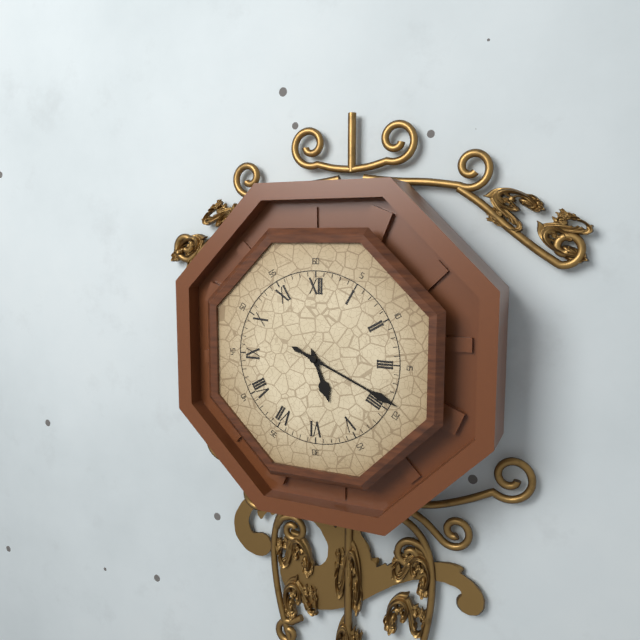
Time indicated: 5:19
